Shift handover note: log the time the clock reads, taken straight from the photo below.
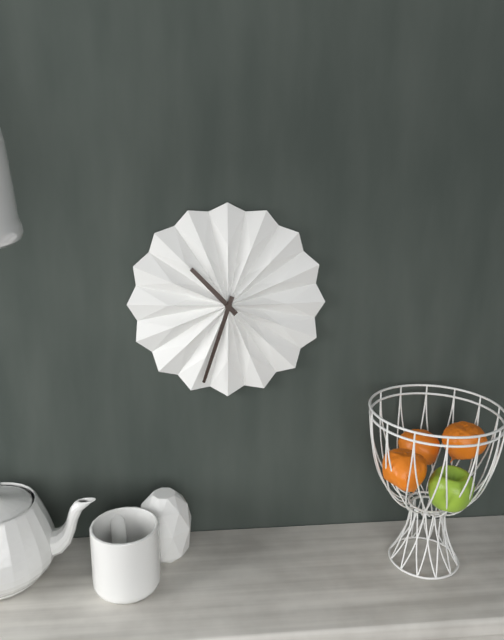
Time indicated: 10:33
